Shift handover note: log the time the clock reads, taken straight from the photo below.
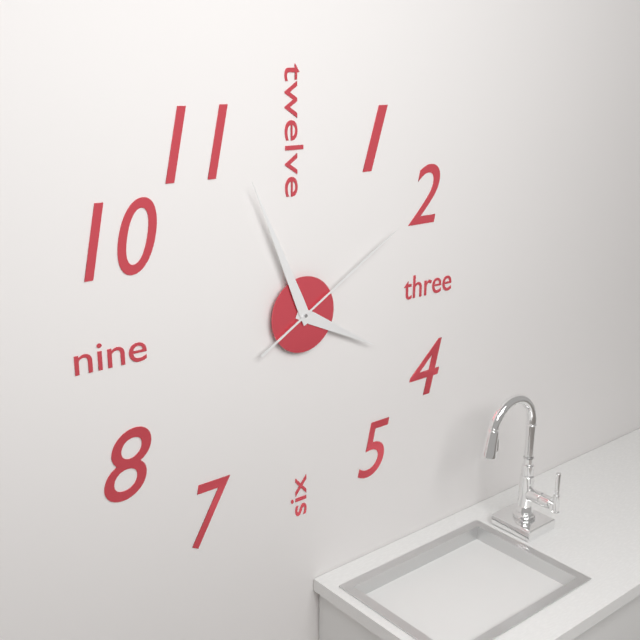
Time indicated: 3:56:10
